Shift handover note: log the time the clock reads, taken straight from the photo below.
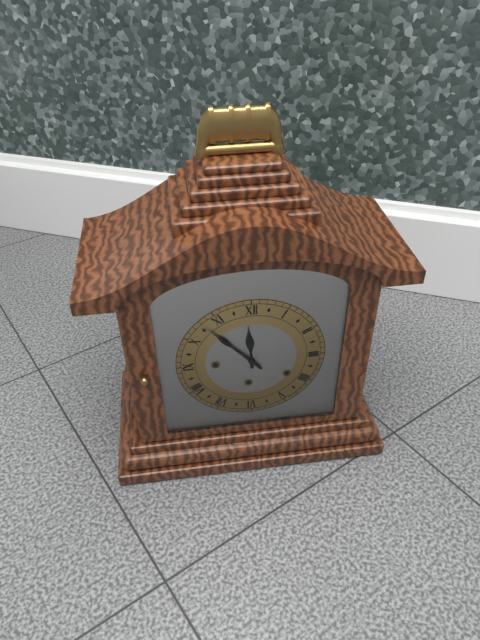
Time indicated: 11:53
